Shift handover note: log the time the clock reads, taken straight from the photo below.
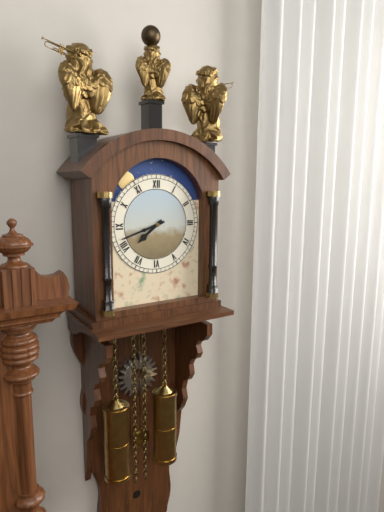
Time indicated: 7:42
